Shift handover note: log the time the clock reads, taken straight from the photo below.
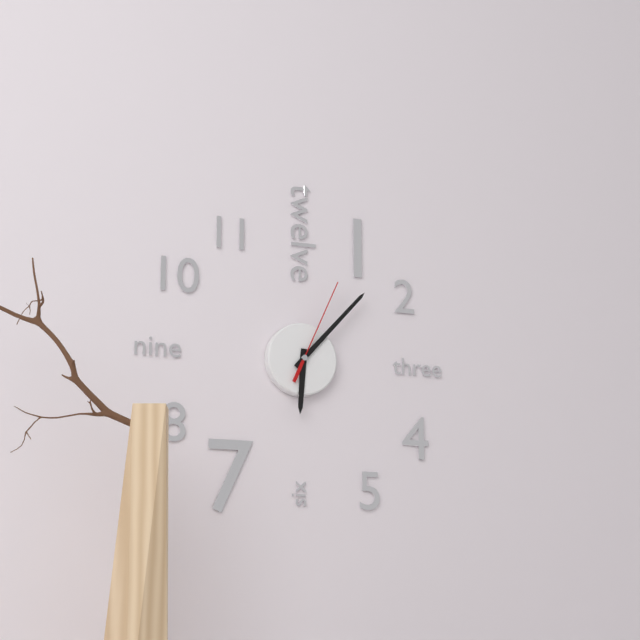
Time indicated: 6:07:04
